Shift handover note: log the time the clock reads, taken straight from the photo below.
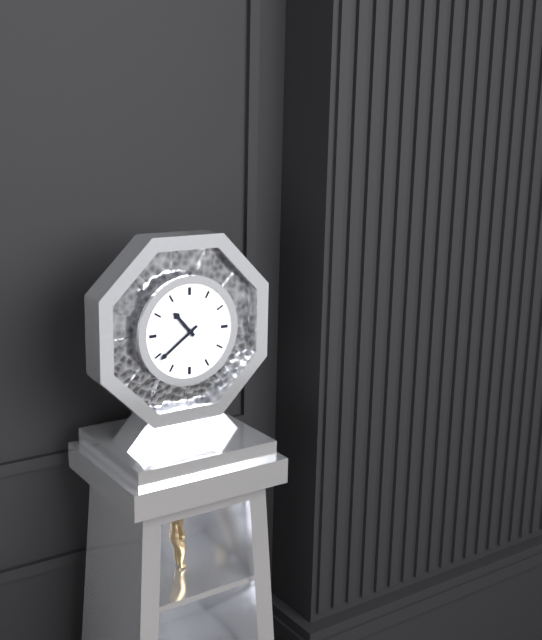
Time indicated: 10:39
